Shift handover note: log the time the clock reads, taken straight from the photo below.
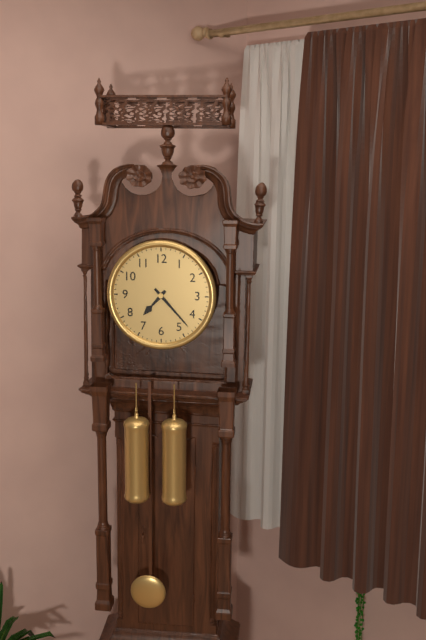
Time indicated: 7:23
